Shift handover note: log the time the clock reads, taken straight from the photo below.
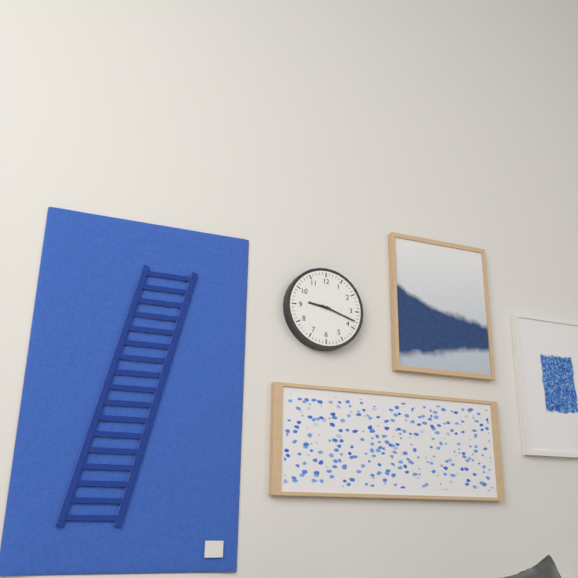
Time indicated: 9:18
